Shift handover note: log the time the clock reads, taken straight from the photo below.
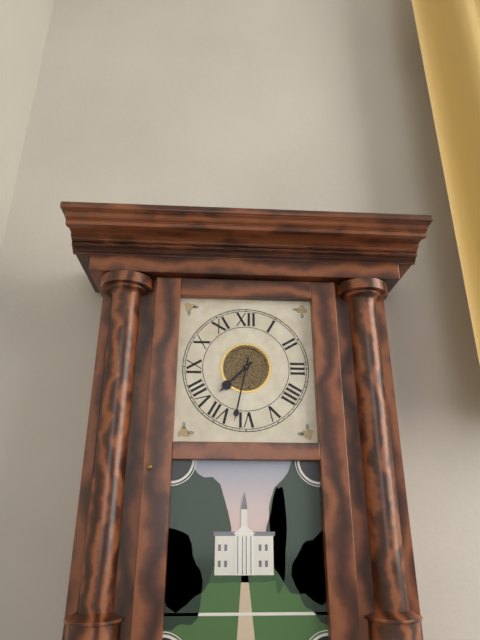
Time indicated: 7:32
